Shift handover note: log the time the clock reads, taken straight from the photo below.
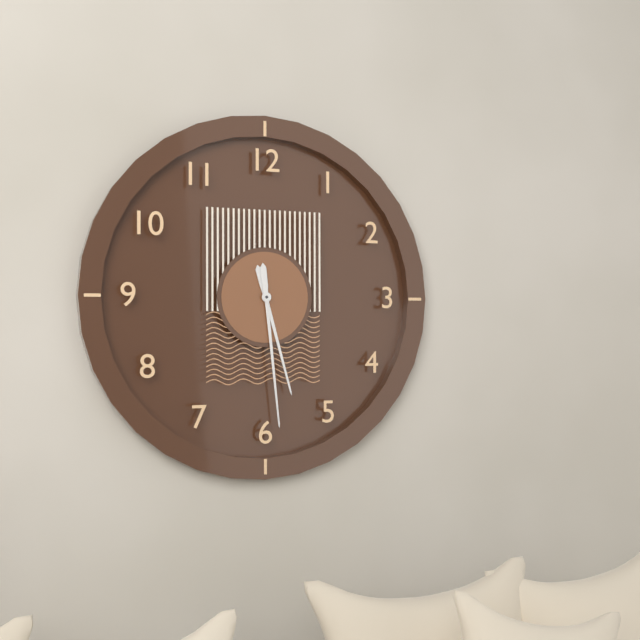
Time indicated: 5:29
